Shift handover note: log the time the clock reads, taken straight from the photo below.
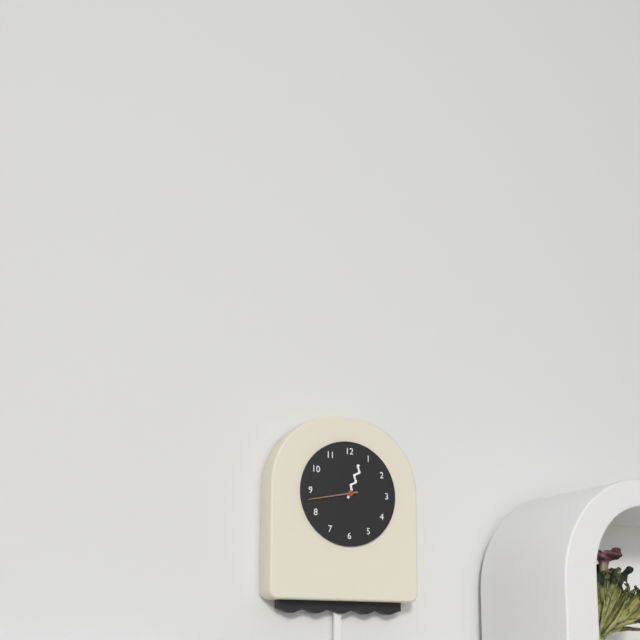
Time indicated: 12:43
